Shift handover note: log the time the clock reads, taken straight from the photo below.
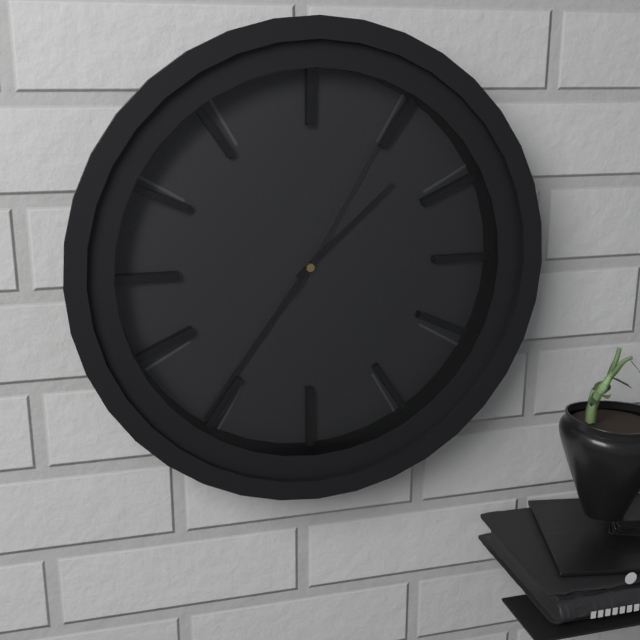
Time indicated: 1:36:05
